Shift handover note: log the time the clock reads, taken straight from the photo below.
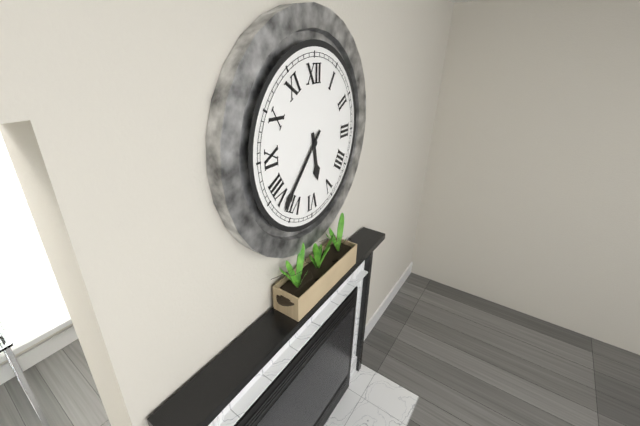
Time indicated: 5:37
